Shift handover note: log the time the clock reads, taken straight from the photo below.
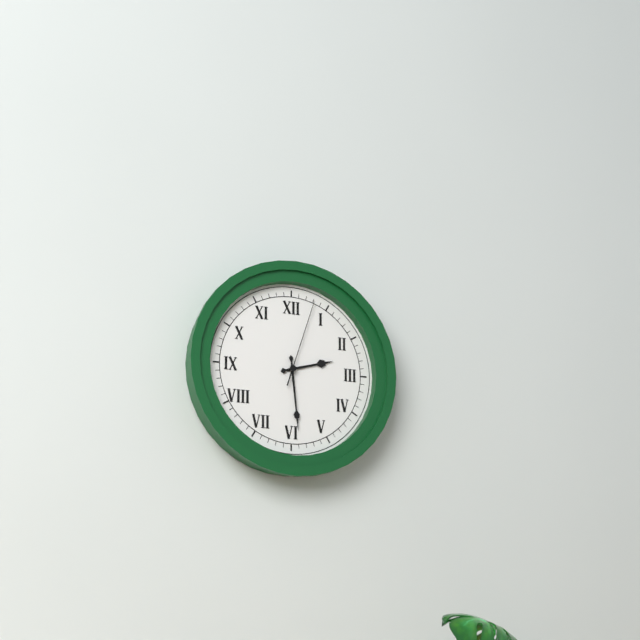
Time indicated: 2:29:03
